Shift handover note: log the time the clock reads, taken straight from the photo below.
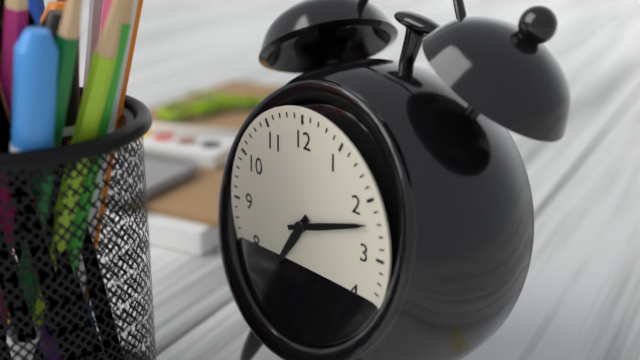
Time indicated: 7:12
